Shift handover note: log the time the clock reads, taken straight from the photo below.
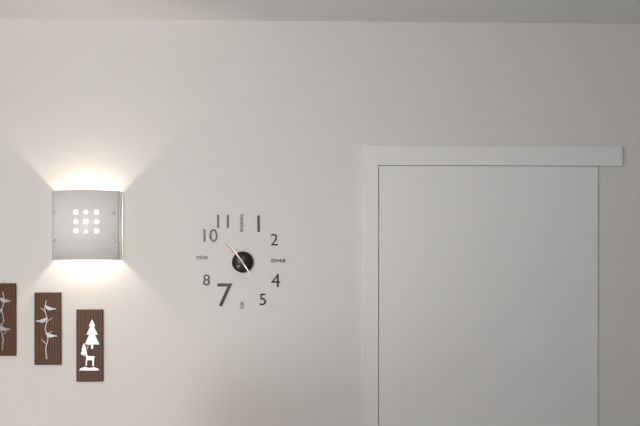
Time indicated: 4:54
